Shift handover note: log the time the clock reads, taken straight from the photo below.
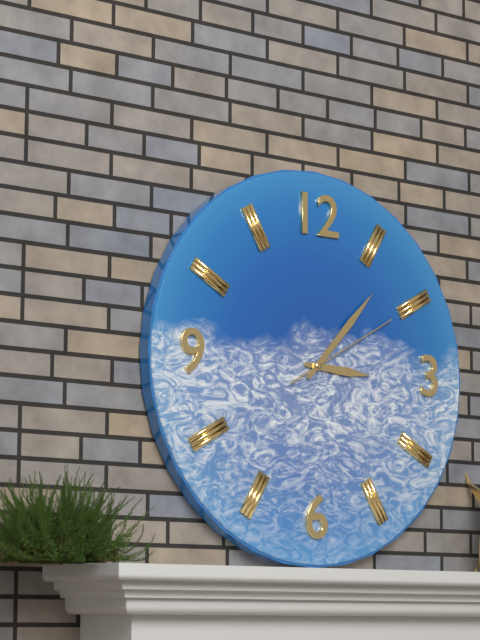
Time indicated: 3:07:10
